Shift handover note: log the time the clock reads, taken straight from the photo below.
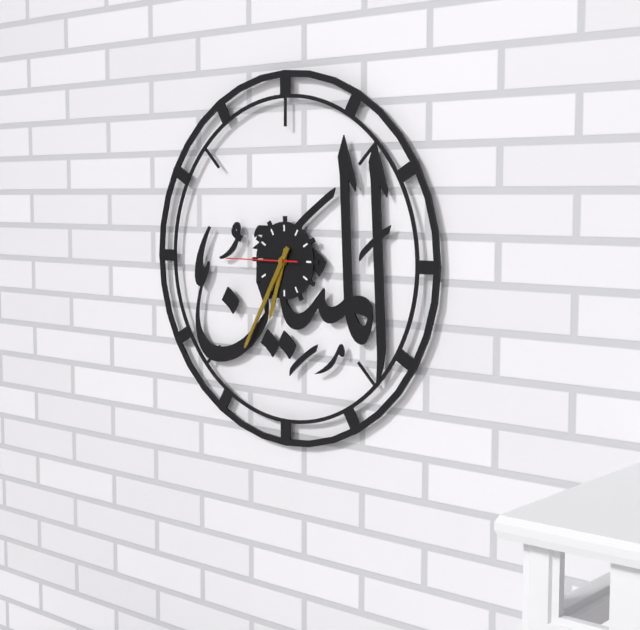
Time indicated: 6:35:45
